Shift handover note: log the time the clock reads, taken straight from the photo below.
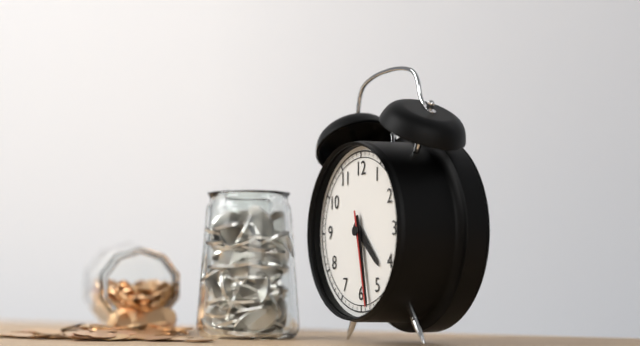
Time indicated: 4:28:28
